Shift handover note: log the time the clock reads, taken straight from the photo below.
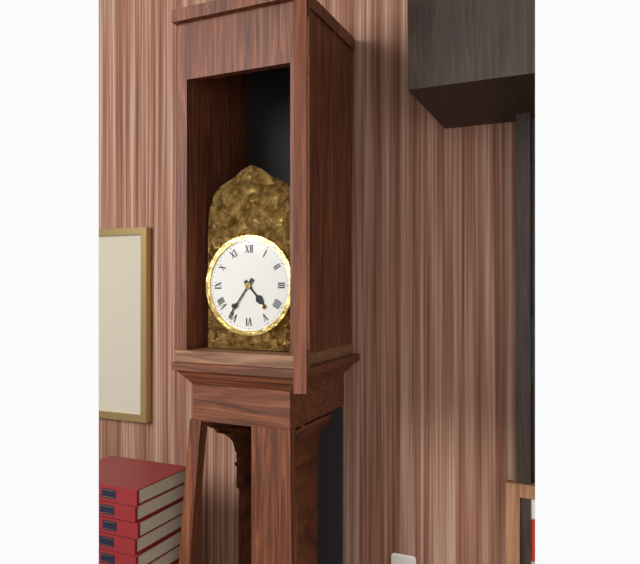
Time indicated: 4:36
